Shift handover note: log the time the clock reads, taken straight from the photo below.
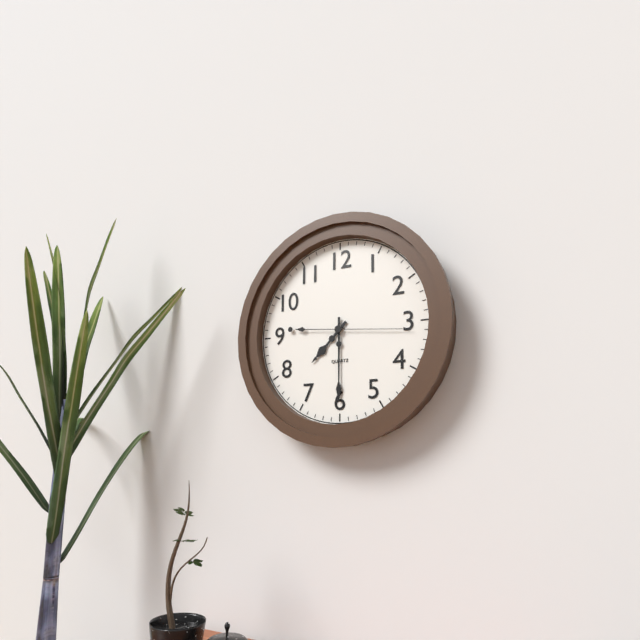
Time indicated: 7:30:16
